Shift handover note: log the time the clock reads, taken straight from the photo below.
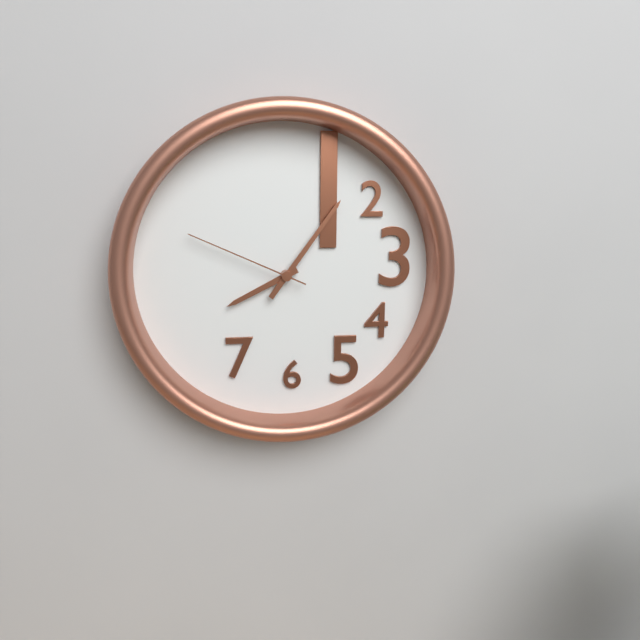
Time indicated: 8:06:49
